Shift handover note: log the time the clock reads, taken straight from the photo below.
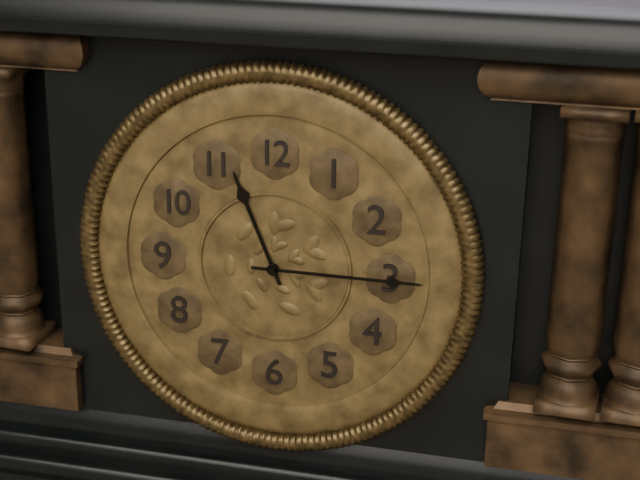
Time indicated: 11:15
